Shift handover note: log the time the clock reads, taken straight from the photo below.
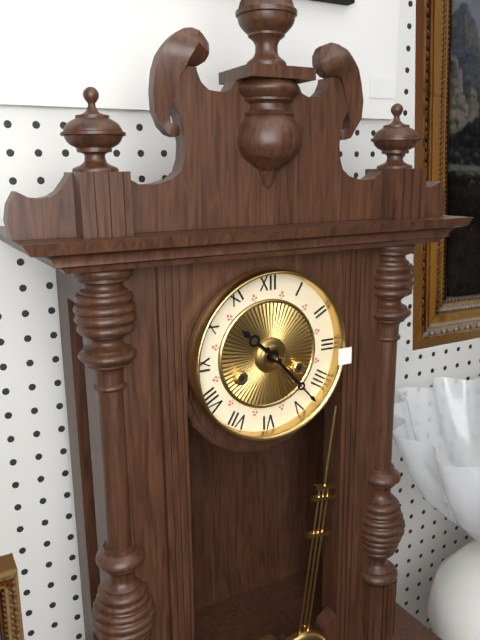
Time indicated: 10:23
